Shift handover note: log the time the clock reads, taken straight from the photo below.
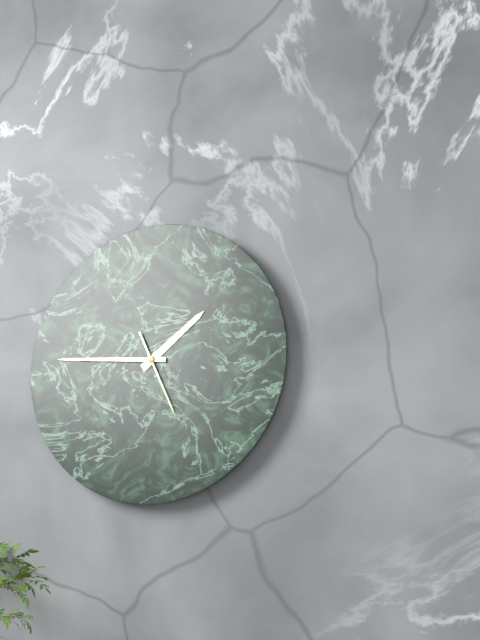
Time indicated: 1:46:26
